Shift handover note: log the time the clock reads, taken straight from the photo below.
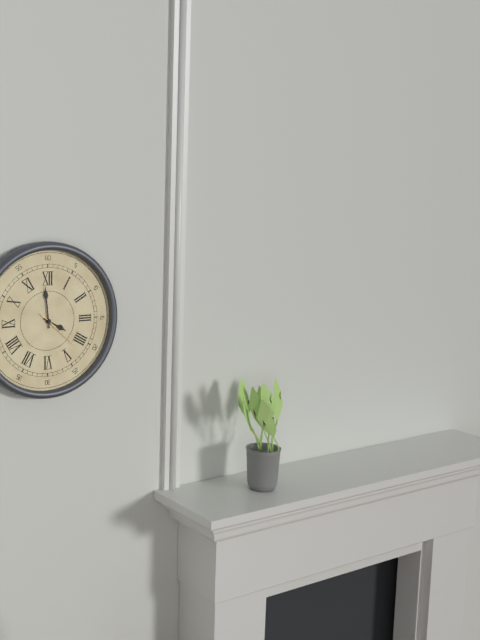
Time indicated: 3:59
